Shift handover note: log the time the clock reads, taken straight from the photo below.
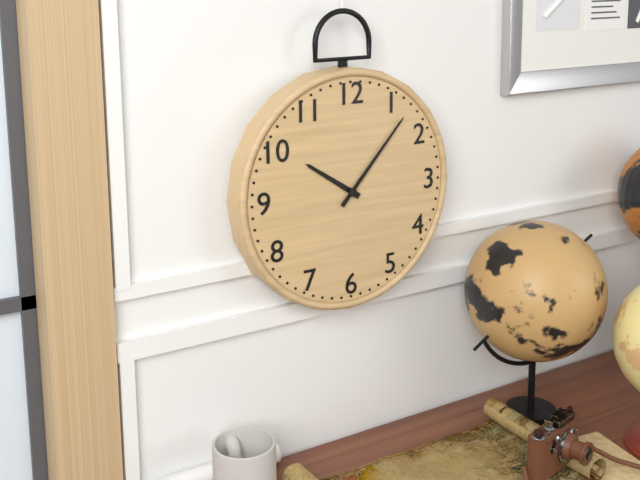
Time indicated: 10:07
